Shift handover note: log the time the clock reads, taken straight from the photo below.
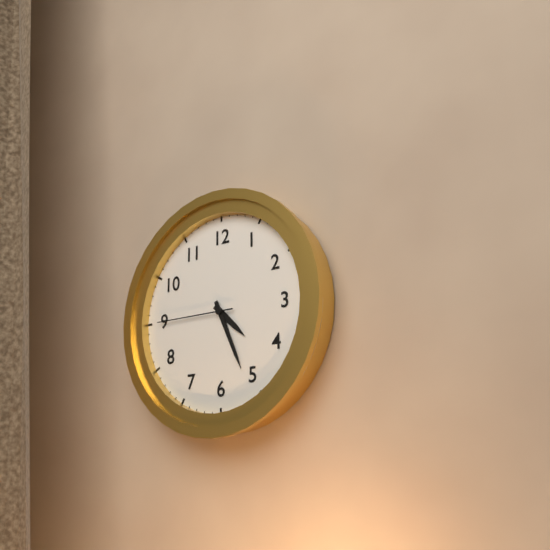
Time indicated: 4:26:45
